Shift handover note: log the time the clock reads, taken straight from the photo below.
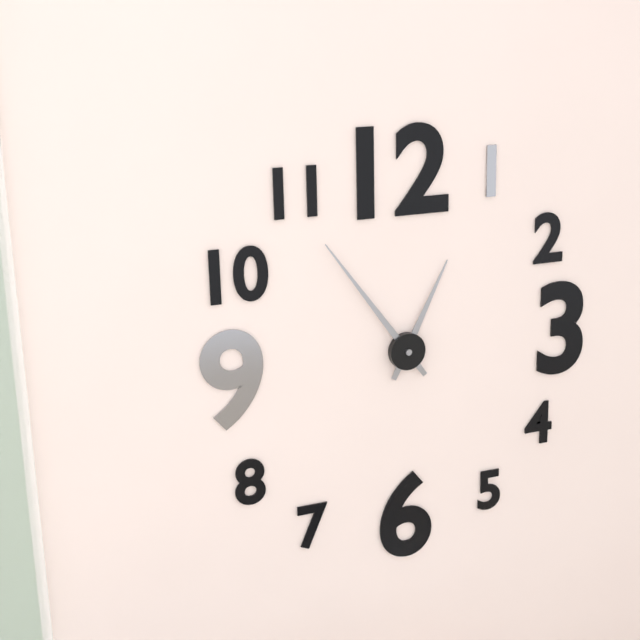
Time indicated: 12:54
